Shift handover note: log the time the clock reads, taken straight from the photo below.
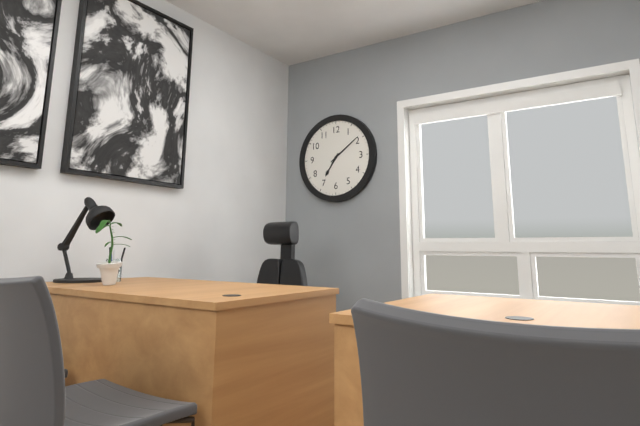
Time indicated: 7:09
